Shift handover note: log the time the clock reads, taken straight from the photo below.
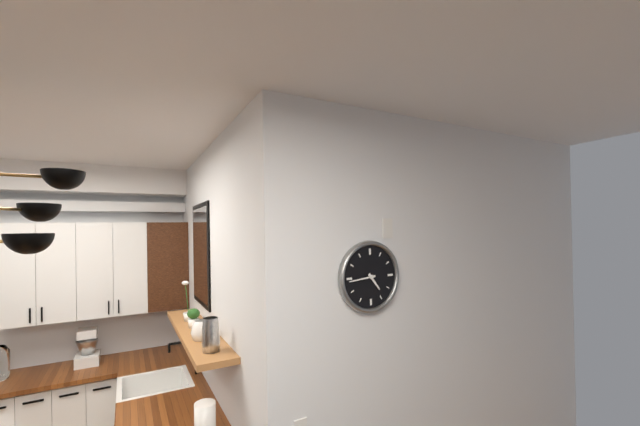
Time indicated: 4:44
